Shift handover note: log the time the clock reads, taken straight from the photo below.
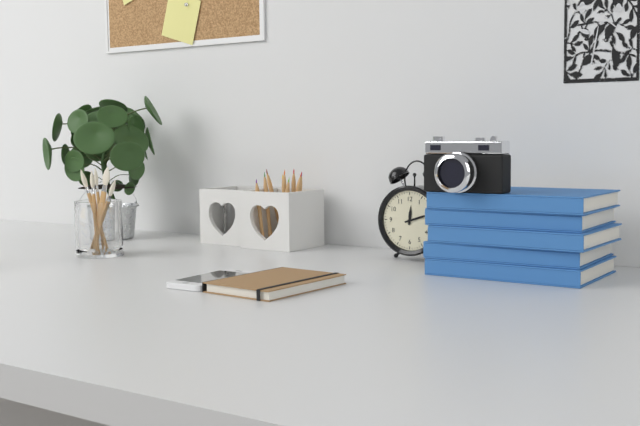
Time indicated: 12:12
